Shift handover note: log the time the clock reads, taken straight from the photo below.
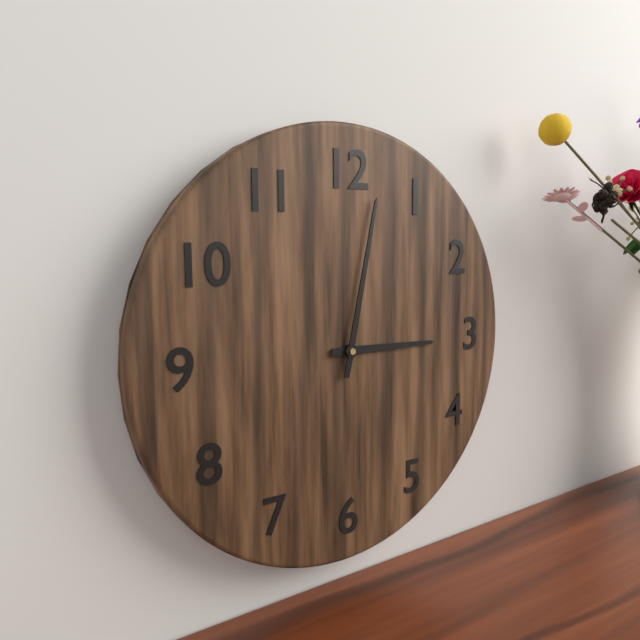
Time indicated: 3:02
